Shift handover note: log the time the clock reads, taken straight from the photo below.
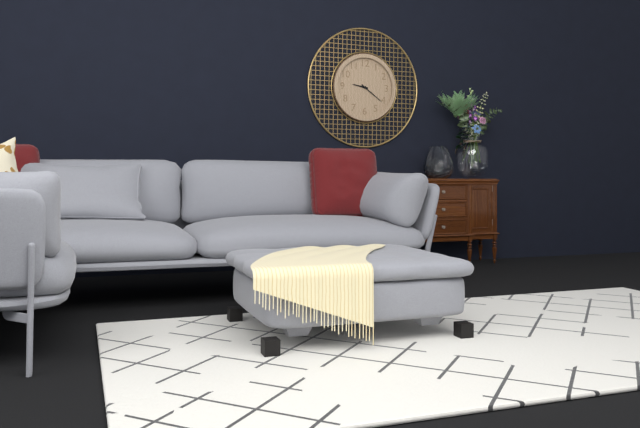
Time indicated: 9:21
